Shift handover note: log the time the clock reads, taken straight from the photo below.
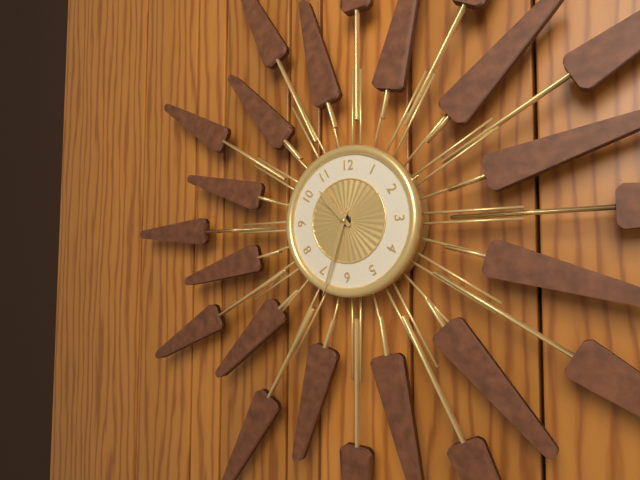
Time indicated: 10:33
